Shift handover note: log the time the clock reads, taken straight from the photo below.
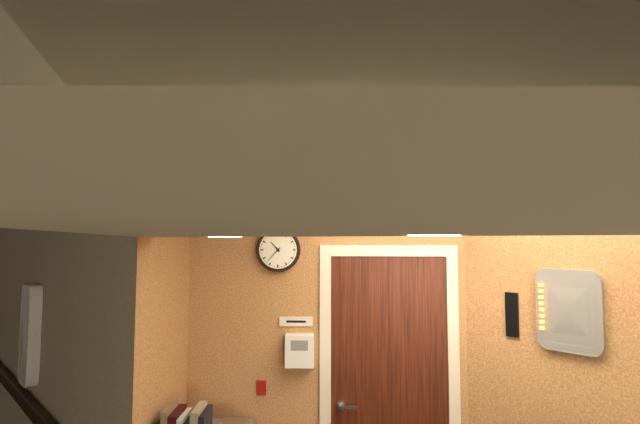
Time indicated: 10:37
